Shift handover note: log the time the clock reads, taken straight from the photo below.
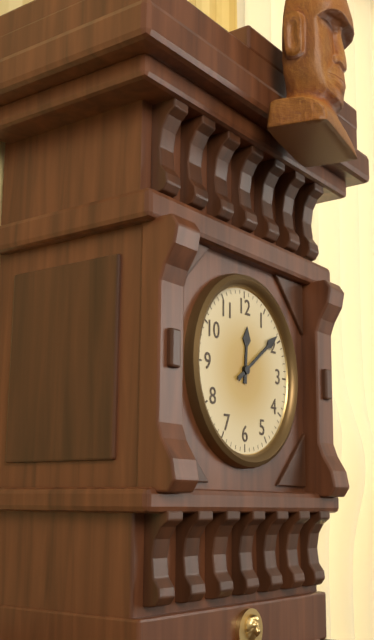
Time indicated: 12:09
